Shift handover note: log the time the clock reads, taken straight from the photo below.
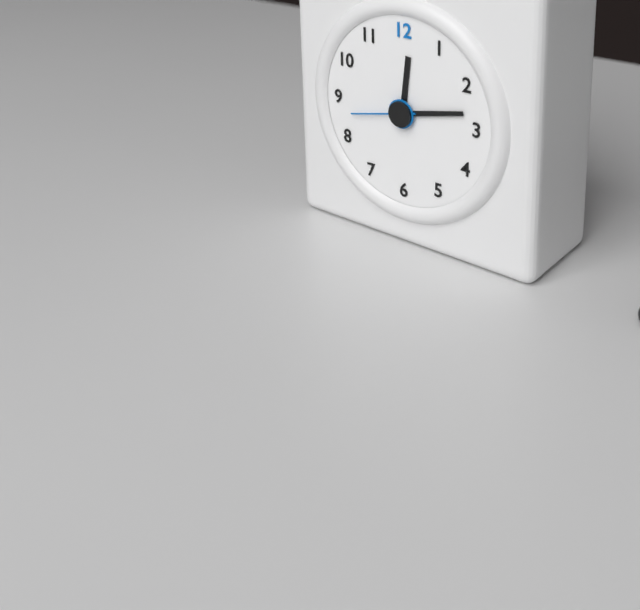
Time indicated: 12:13:43
